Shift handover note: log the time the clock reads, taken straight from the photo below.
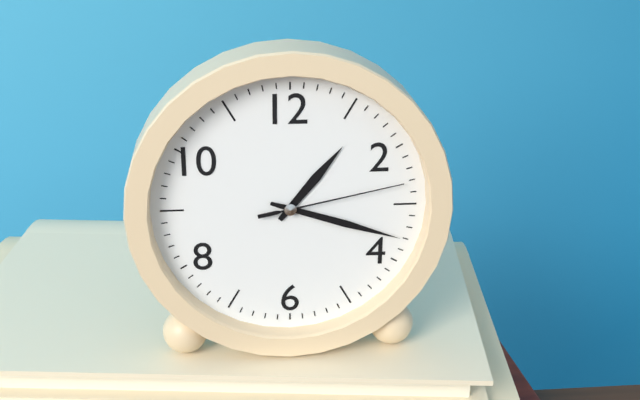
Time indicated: 1:18:13
